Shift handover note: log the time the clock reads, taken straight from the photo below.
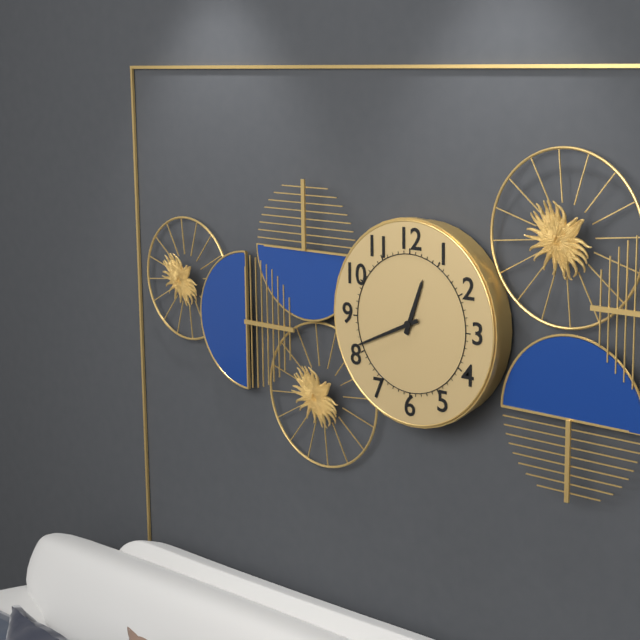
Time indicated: 12:41
